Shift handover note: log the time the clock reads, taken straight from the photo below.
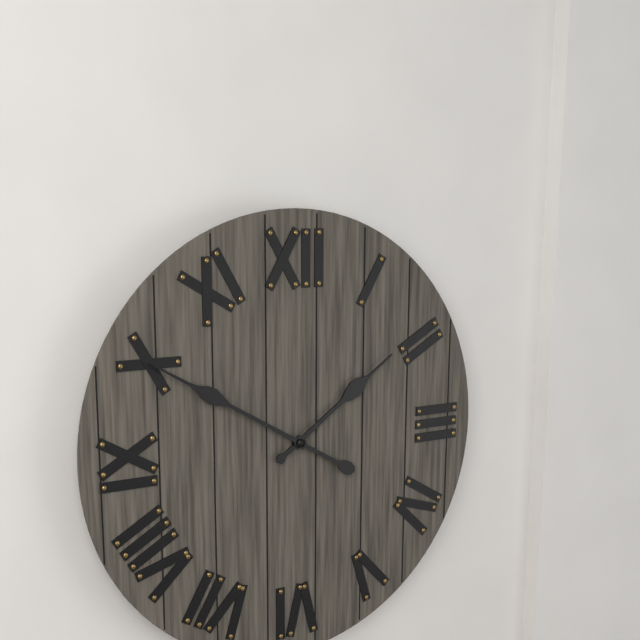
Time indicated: 1:50
